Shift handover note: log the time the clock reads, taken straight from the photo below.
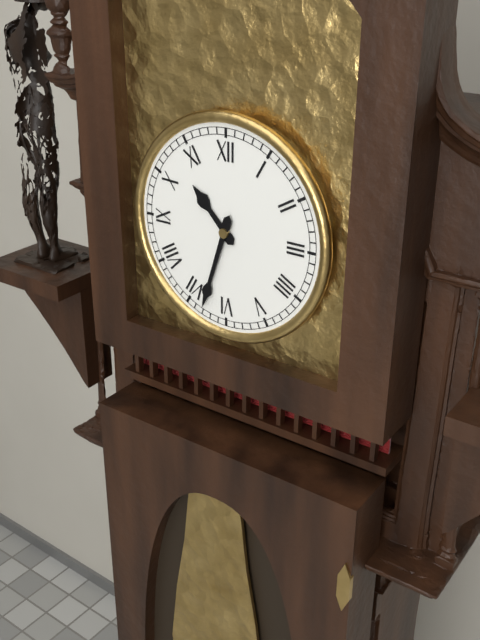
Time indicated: 10:33
